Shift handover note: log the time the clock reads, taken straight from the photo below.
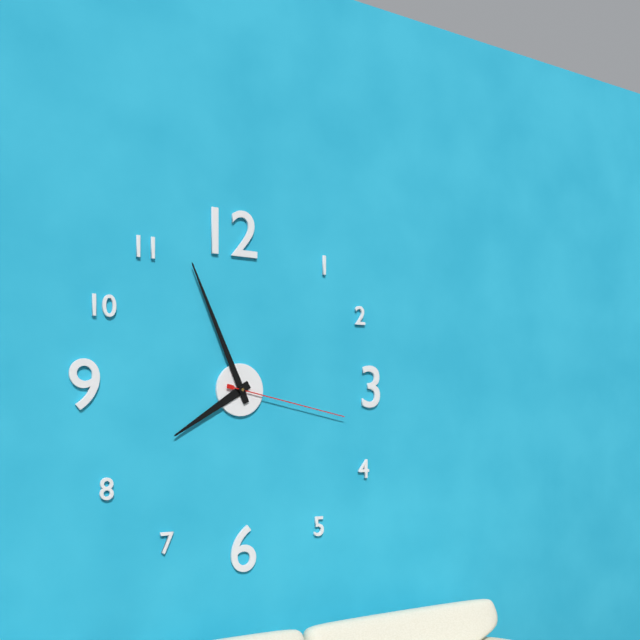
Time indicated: 7:56:17
